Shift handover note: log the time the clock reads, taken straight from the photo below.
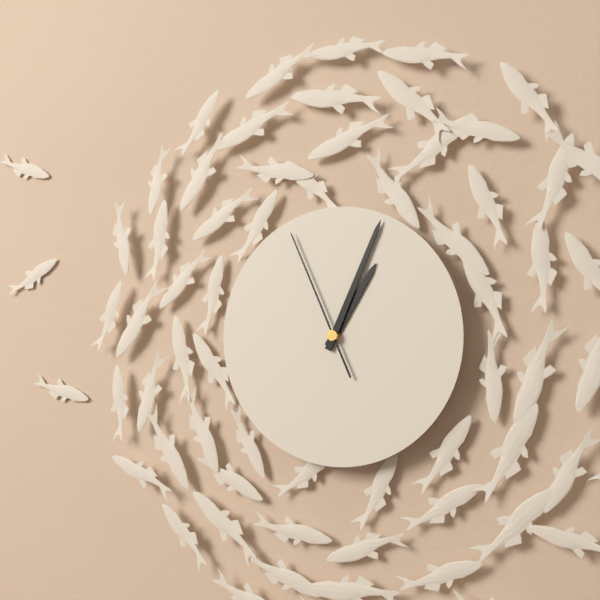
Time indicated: 1:04:56
